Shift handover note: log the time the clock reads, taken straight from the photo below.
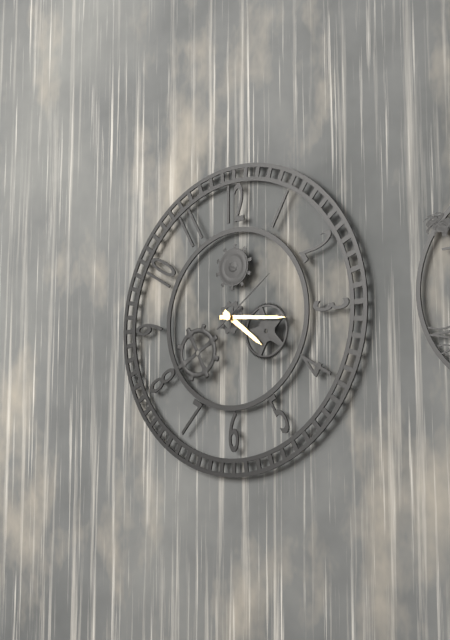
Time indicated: 4:16:09
